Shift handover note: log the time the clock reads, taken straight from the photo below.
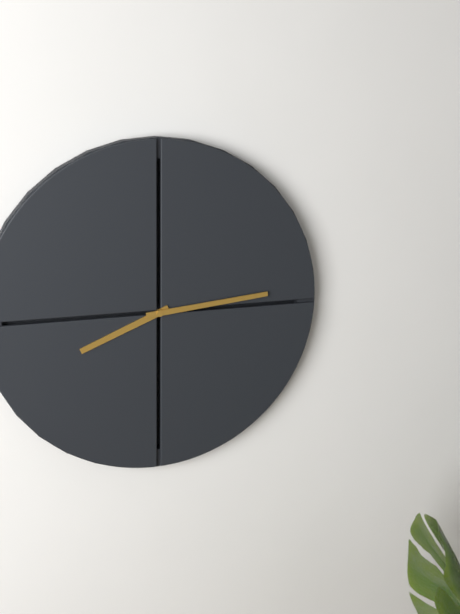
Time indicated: 8:14
